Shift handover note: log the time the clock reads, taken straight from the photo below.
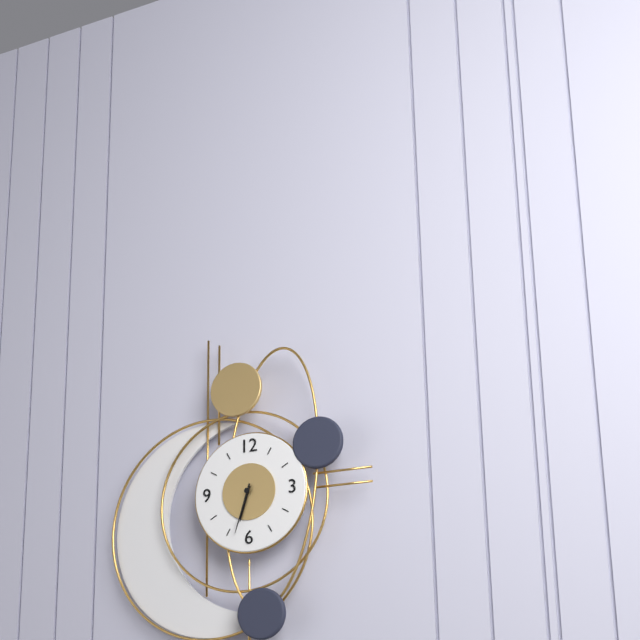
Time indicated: 6:33
